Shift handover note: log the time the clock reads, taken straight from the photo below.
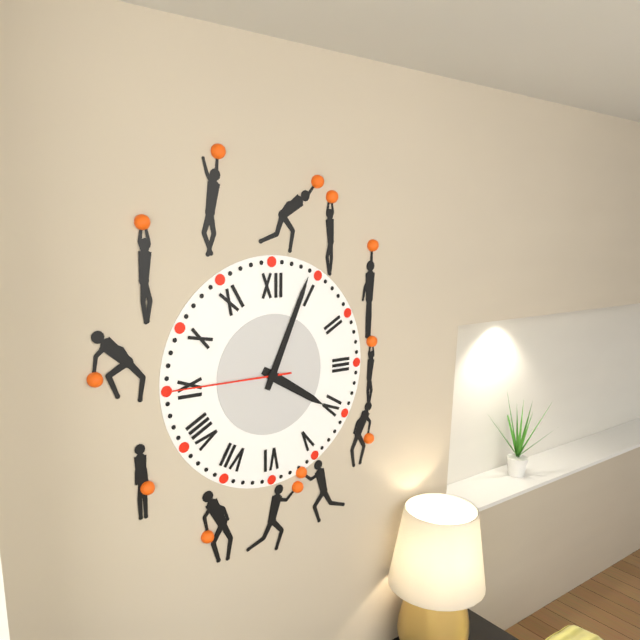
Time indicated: 4:04:45
